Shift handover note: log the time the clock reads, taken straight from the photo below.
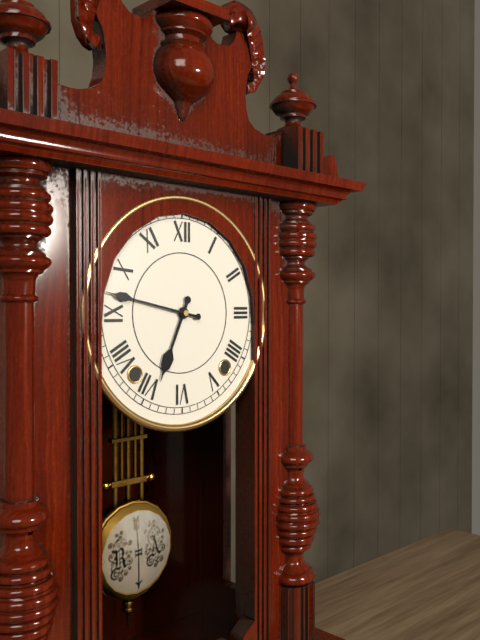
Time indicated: 6:47
